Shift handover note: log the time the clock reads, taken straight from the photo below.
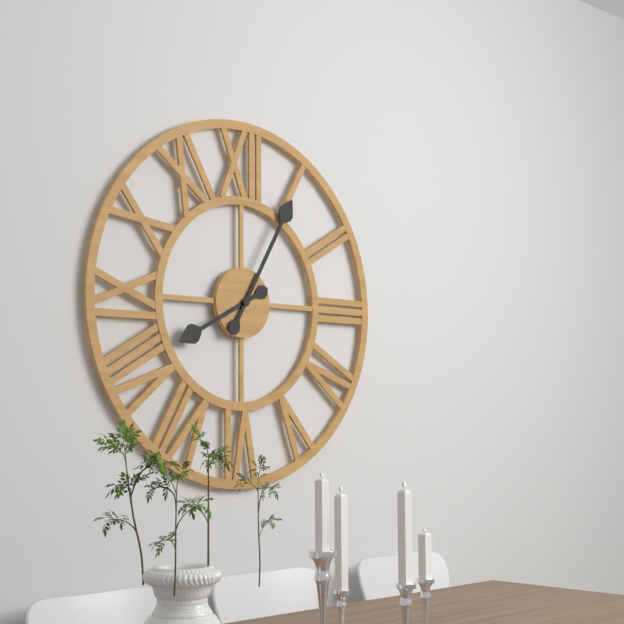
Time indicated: 8:05
